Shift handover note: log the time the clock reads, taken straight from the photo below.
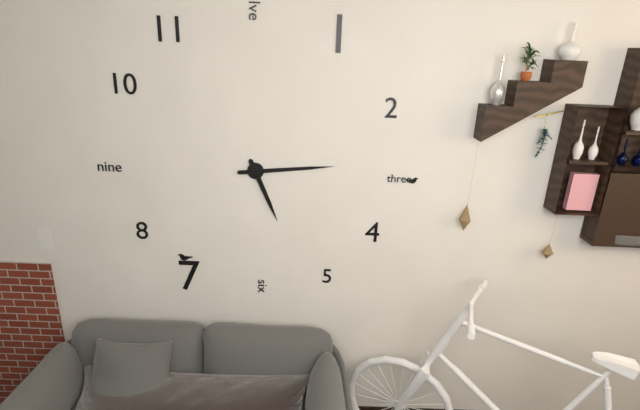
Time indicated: 5:14
